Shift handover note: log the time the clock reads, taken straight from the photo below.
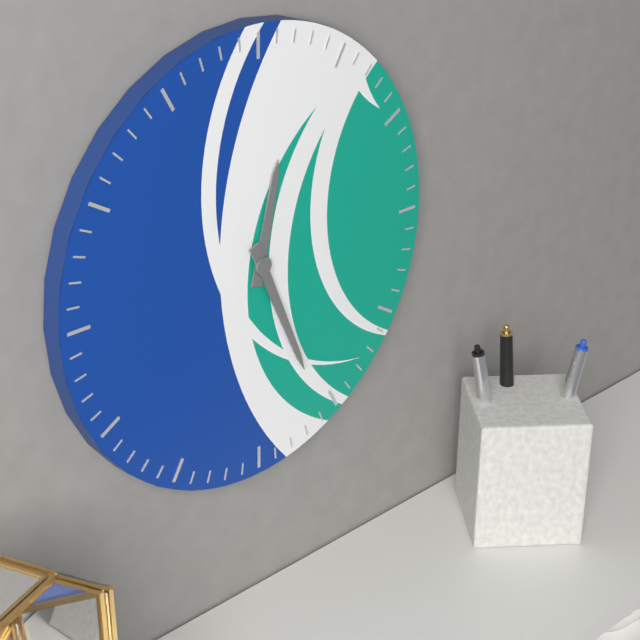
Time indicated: 12:26
